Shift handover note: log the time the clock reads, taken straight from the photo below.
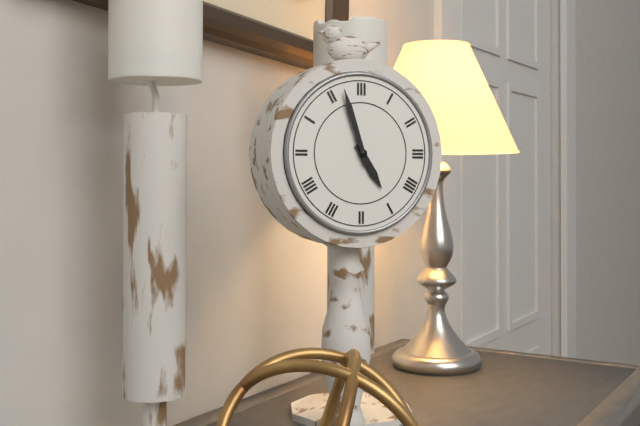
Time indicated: 4:57
